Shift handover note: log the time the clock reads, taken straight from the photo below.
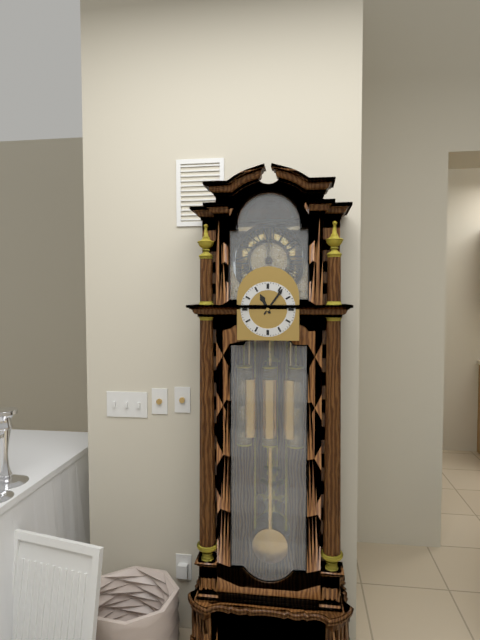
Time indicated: 11:06
